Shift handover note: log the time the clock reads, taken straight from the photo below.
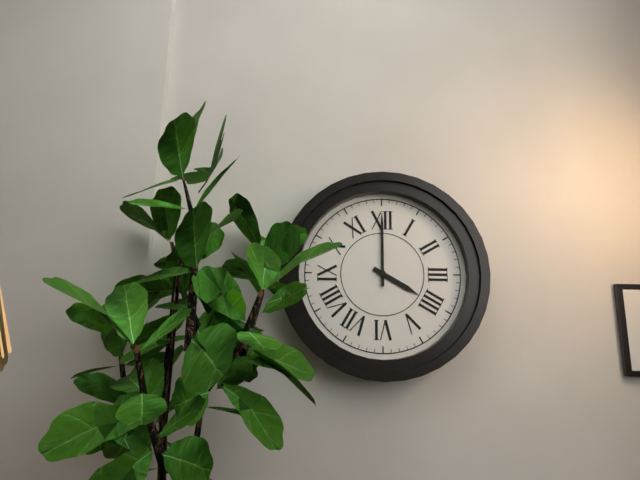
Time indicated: 4:00
